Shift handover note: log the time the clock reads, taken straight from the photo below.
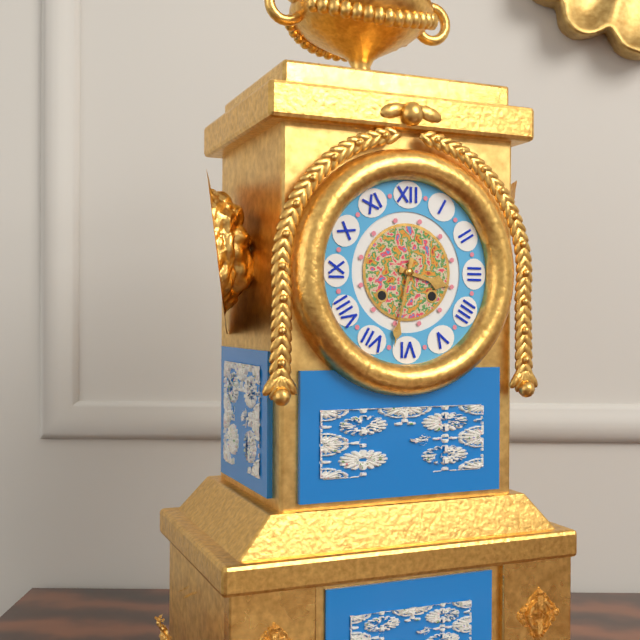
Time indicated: 3:32
